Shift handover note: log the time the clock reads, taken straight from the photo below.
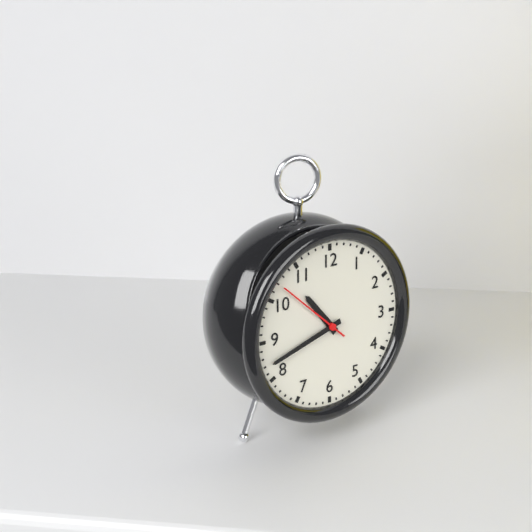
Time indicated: 10:42:52
